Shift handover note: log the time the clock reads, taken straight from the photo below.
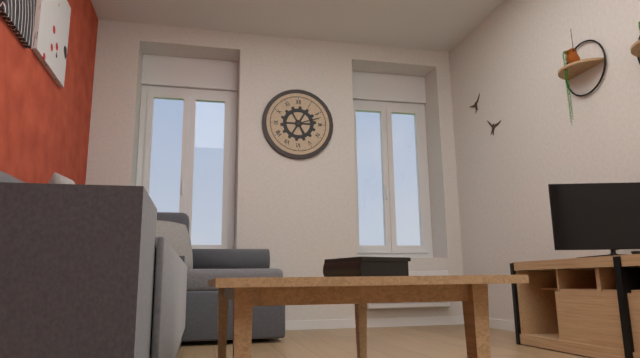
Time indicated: 5:12
